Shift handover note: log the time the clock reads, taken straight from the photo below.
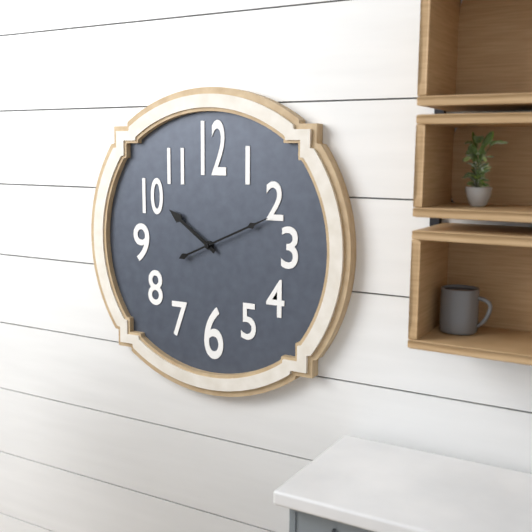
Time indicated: 10:11
